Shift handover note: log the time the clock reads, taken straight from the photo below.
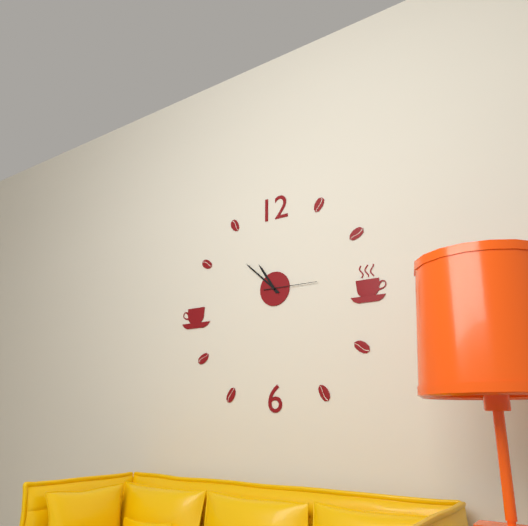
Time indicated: 10:52:15
